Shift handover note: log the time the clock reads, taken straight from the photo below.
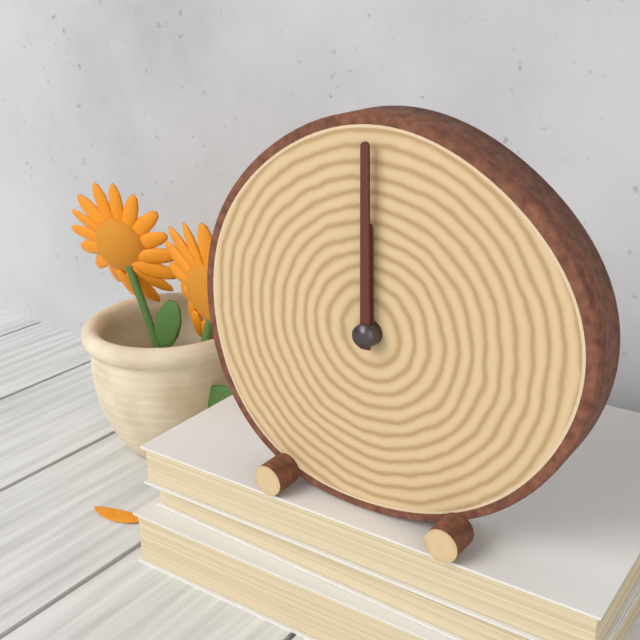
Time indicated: 12:00
